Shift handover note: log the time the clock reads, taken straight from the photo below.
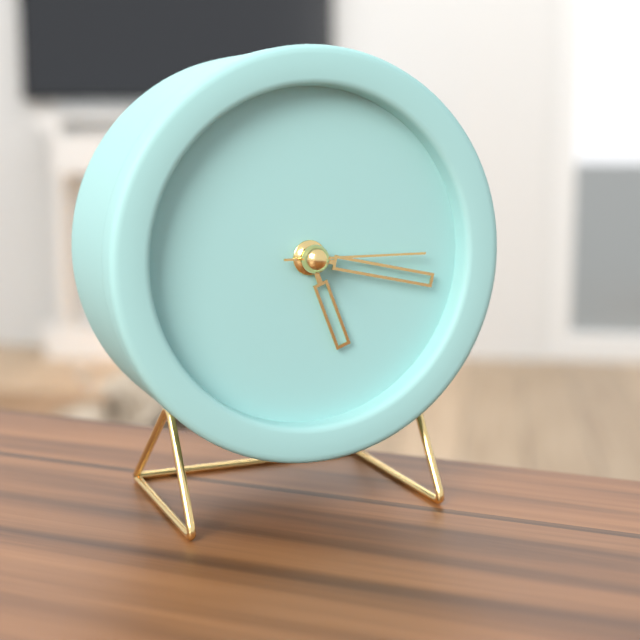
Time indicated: 5:17:15
